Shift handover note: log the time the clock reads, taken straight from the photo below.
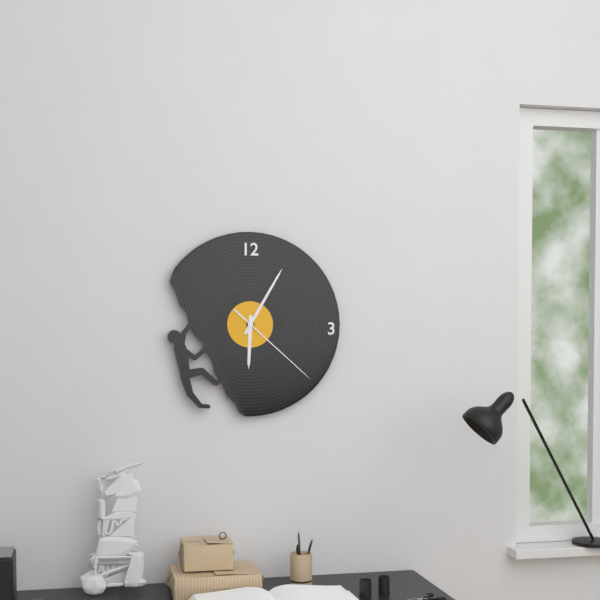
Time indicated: 6:05:22
